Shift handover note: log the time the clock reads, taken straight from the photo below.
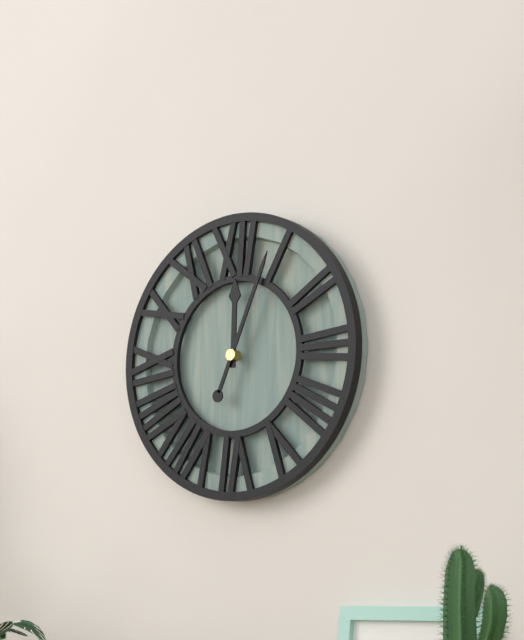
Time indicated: 12:04
